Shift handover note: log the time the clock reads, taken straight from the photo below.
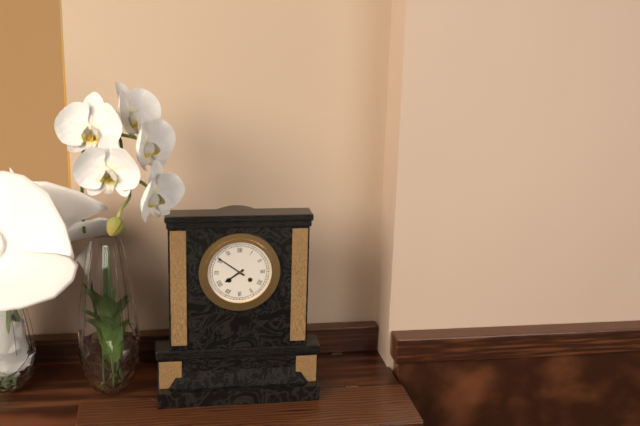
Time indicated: 7:51
